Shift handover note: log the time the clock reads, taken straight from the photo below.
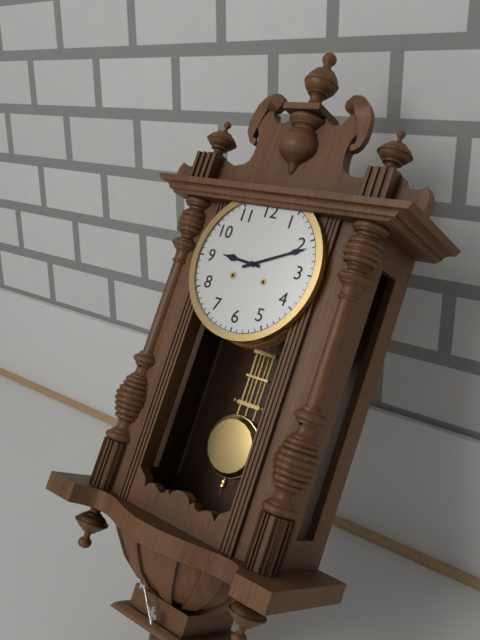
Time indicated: 9:11
